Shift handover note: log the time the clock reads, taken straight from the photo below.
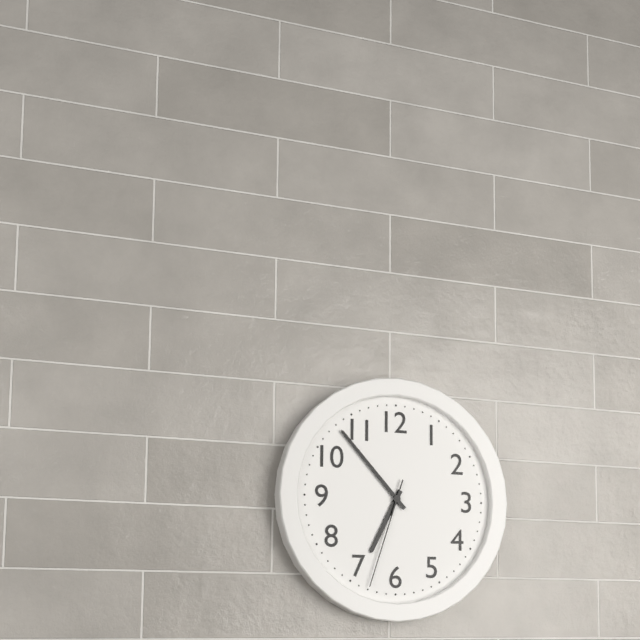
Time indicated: 6:53:33
